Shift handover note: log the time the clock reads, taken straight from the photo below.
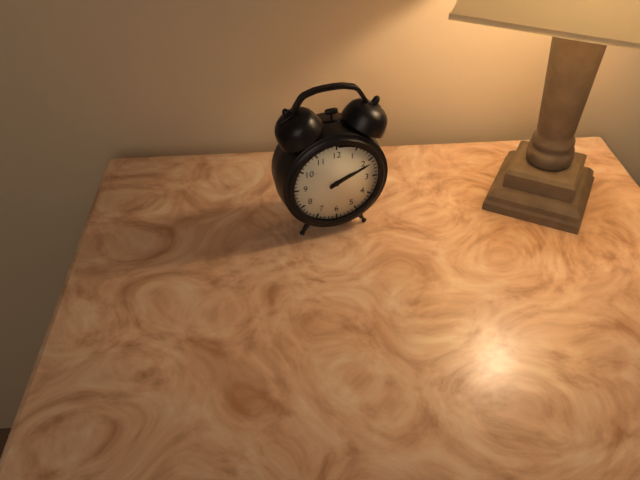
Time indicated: 2:11
